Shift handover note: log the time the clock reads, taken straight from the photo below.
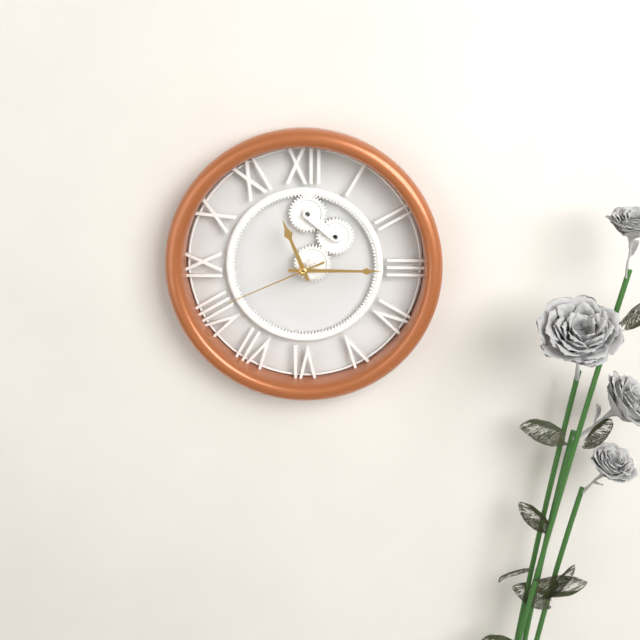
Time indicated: 11:15:41
